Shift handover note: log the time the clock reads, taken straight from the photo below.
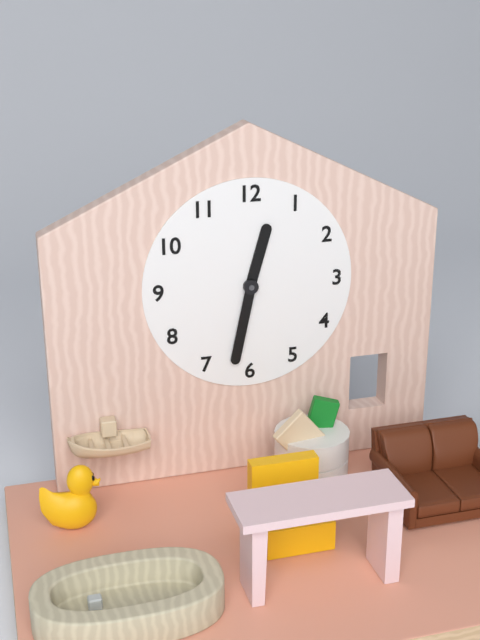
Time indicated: 12:32
